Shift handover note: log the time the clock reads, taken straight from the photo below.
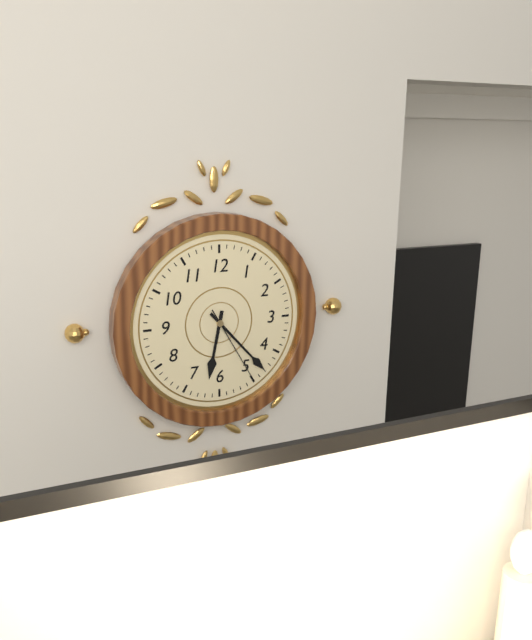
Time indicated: 6:23:25
